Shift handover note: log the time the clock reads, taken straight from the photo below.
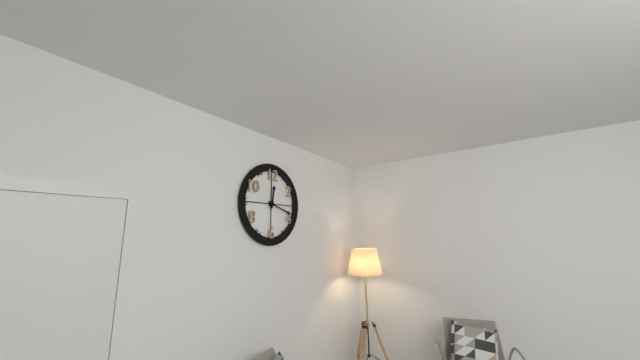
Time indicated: 12:18
